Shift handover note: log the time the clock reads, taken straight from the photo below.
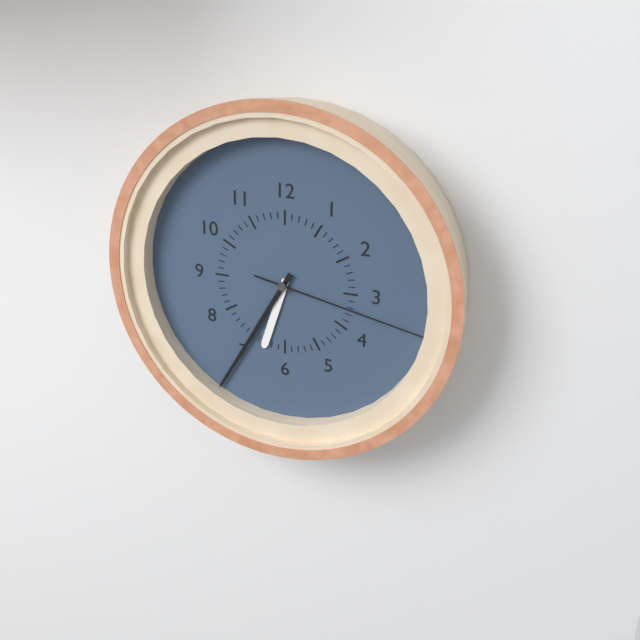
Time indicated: 6:35:17
